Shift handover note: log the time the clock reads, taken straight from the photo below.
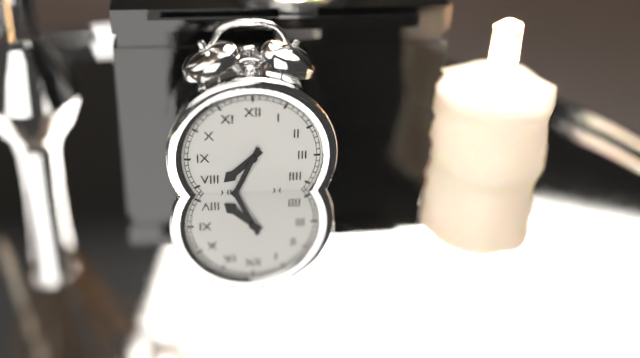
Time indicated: 7:34
